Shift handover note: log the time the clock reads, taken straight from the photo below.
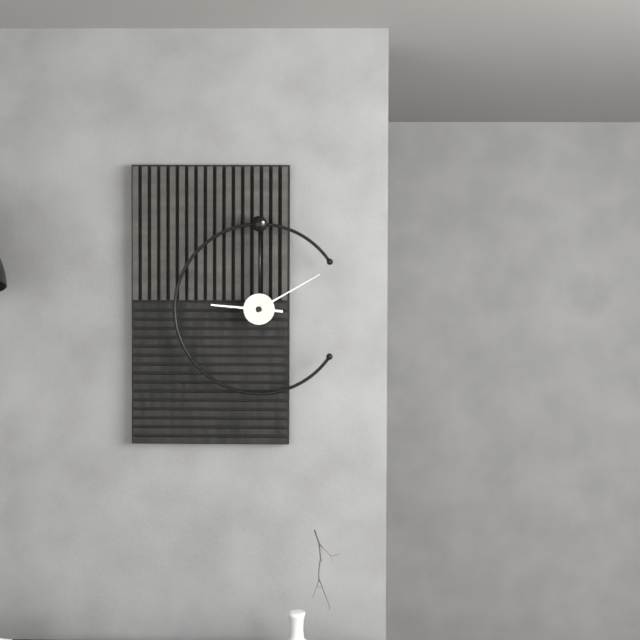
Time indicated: 9:10
